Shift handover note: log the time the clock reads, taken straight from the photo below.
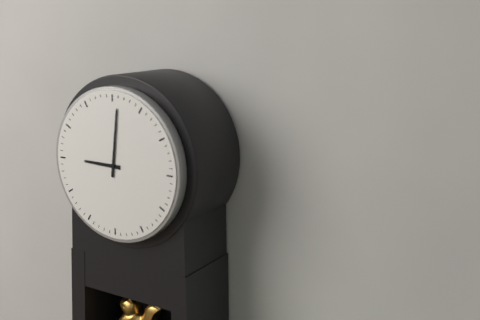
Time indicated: 9:01
